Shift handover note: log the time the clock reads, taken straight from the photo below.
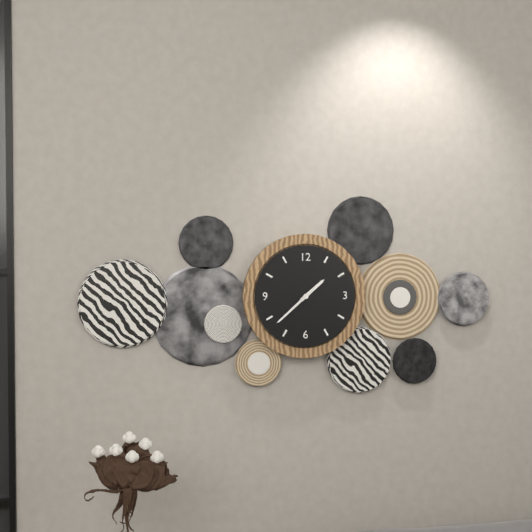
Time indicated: 1:38
